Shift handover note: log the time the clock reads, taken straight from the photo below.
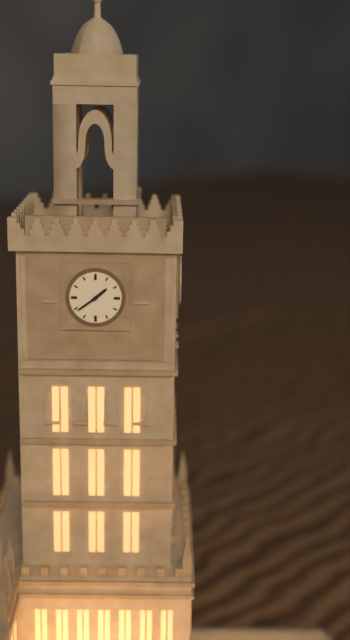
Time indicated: 1:39
